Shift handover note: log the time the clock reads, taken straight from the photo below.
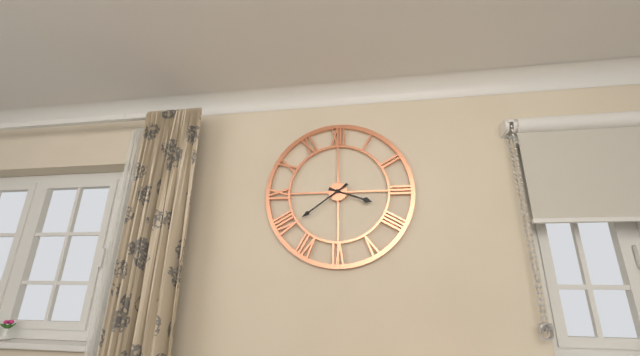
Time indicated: 3:39
